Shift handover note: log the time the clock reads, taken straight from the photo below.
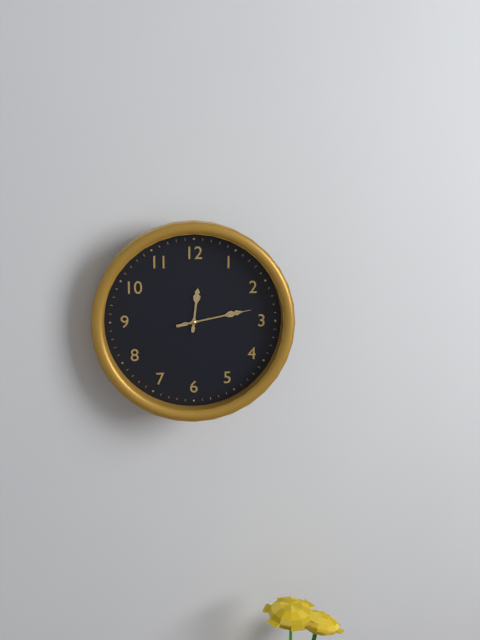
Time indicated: 12:13:13
